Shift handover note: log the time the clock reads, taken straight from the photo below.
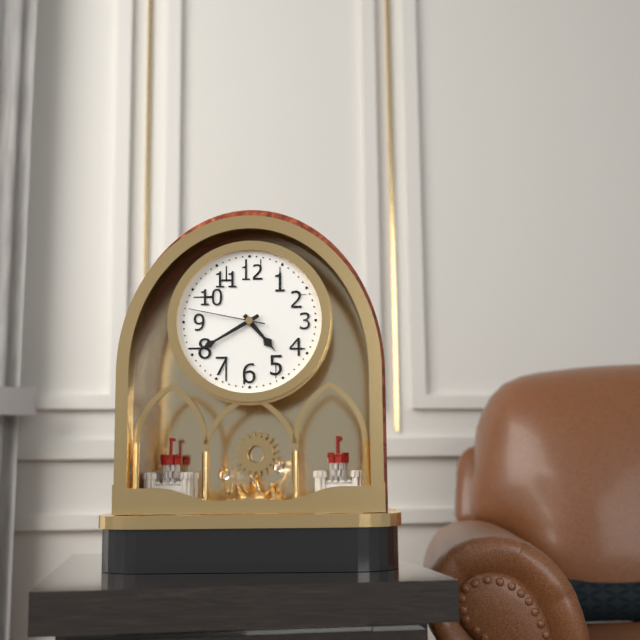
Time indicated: 4:40:47
